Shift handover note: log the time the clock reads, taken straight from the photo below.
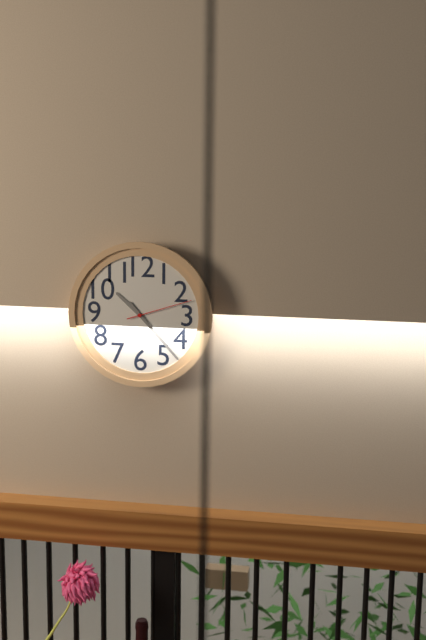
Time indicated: 10:23:12
